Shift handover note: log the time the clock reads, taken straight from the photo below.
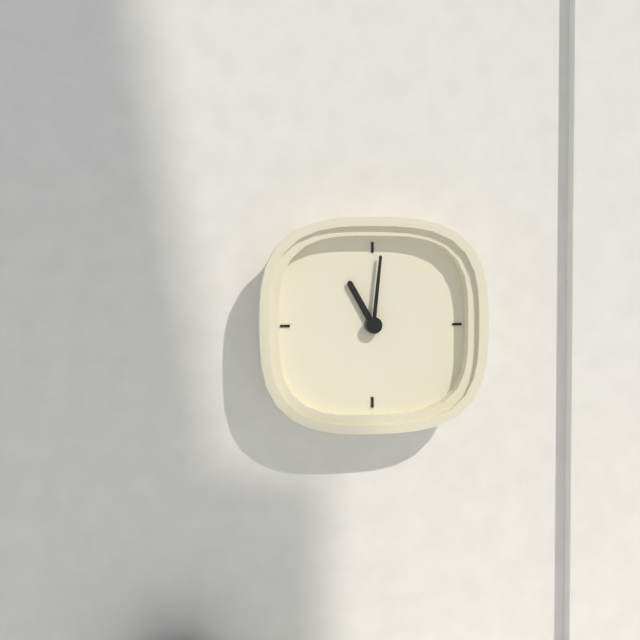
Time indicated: 11:01
